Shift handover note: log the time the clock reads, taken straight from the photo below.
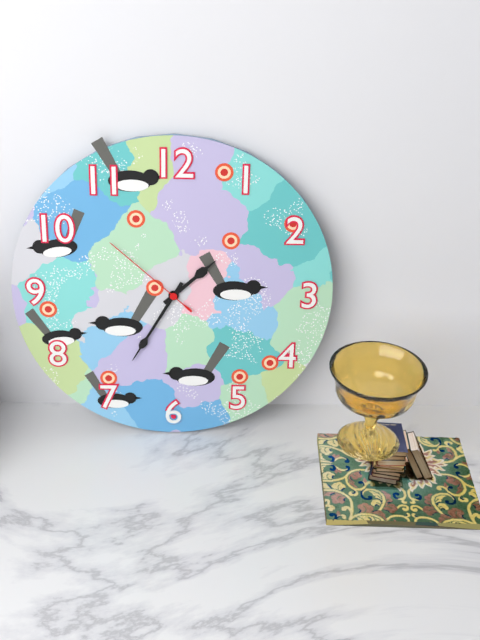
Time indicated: 1:35:52
